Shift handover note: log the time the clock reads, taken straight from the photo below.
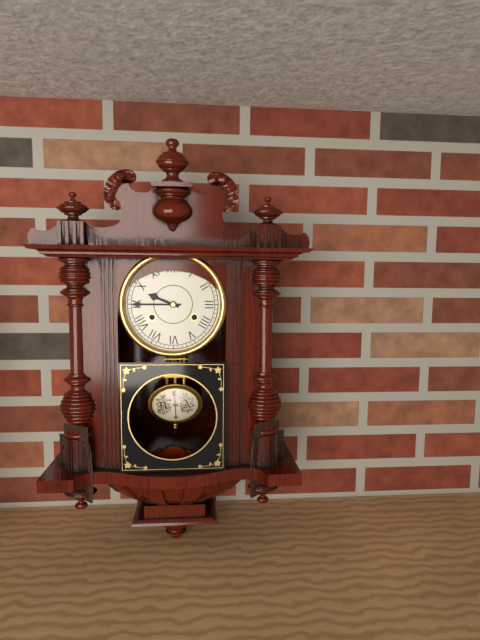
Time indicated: 9:45
